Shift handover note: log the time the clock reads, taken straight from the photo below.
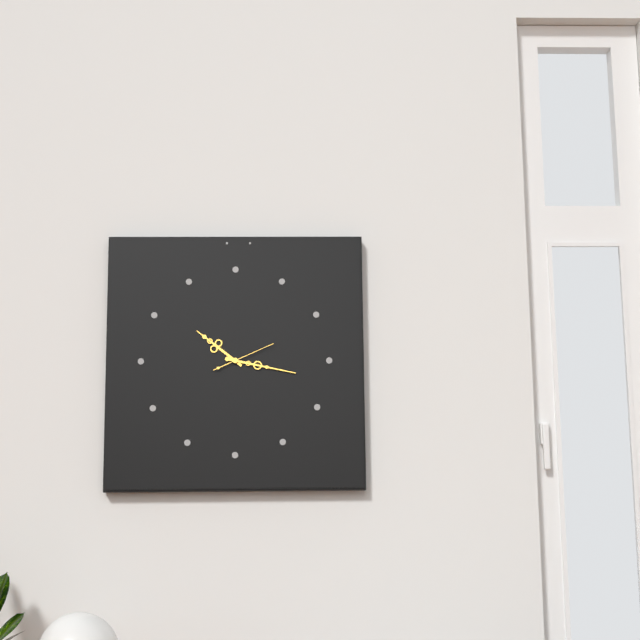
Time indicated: 10:17:11
